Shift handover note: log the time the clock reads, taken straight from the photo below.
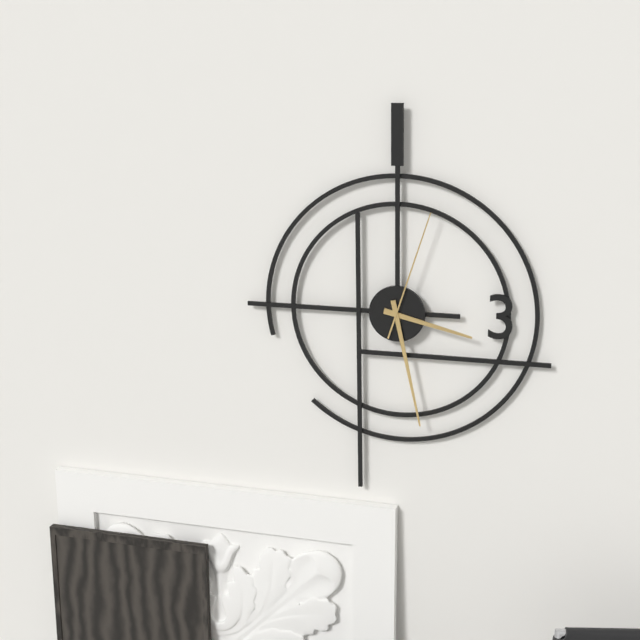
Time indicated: 3:28:03
